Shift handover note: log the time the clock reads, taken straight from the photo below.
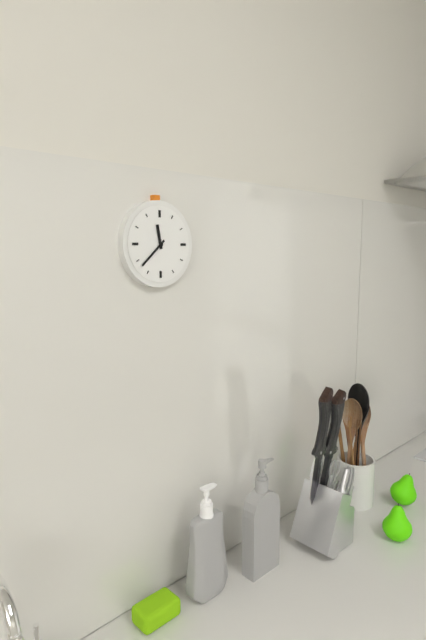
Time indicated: 11:38
